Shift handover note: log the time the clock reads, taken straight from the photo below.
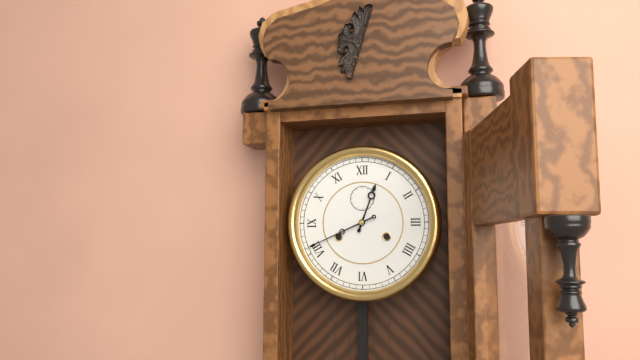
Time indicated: 12:41
